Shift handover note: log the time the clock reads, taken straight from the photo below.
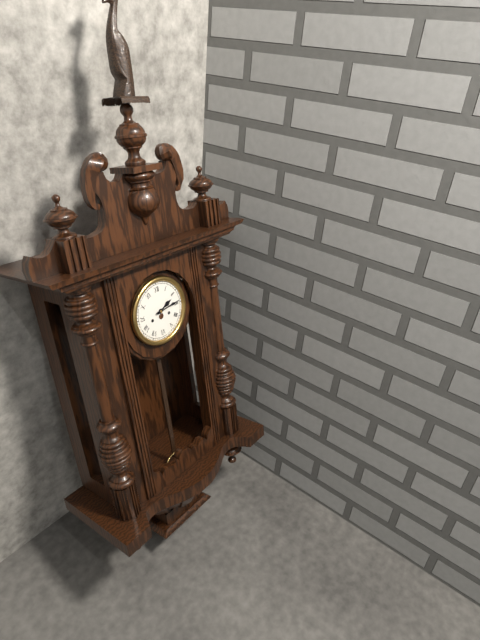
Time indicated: 2:14
